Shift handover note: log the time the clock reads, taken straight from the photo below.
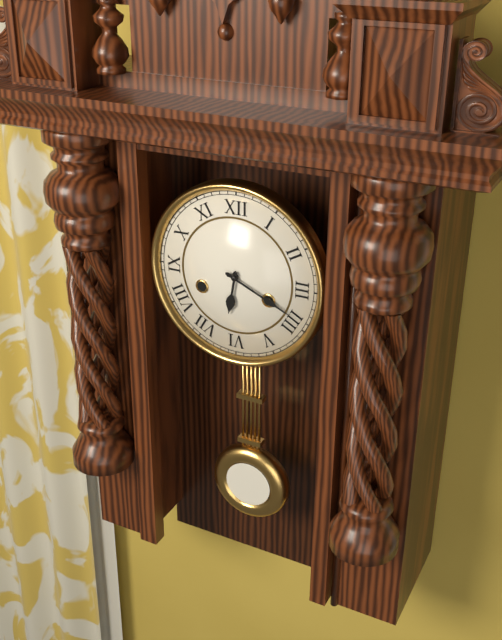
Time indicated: 6:19
